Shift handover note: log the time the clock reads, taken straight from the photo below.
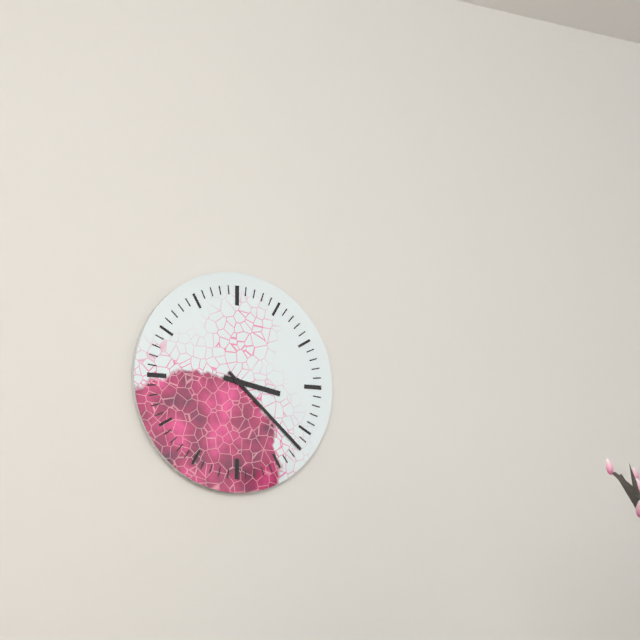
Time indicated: 3:22
